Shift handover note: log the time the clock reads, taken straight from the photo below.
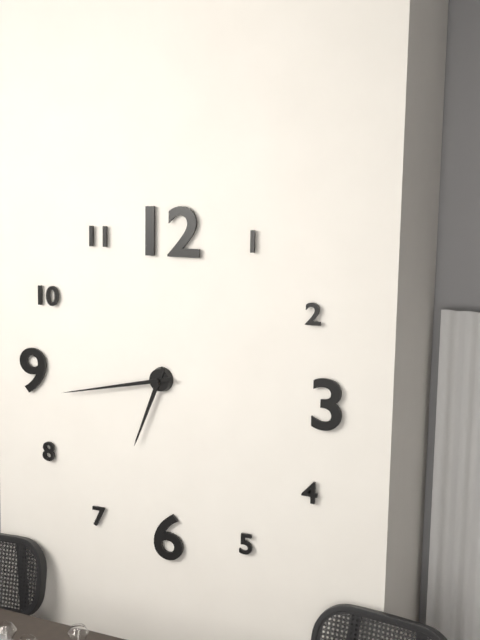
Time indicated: 6:43
